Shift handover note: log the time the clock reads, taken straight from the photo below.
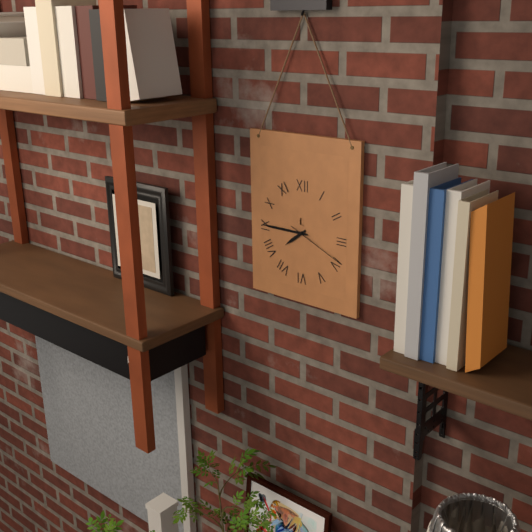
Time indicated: 7:45:19
